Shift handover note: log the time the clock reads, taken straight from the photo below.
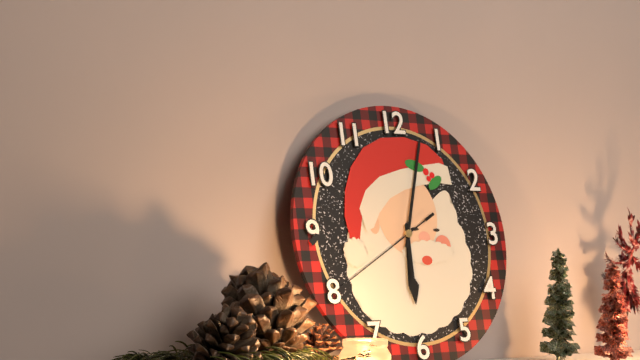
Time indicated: 6:03:40
